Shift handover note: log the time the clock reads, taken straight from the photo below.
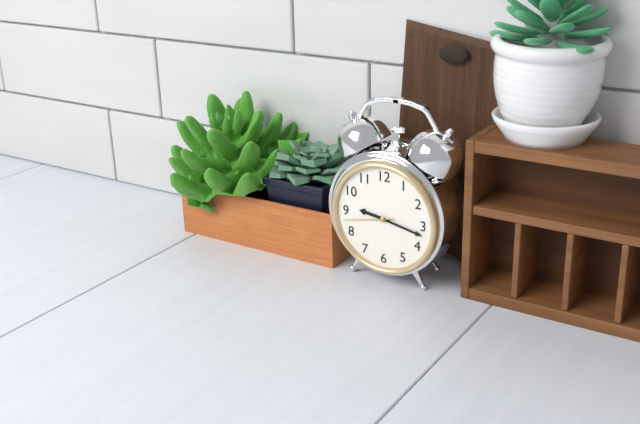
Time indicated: 9:17
